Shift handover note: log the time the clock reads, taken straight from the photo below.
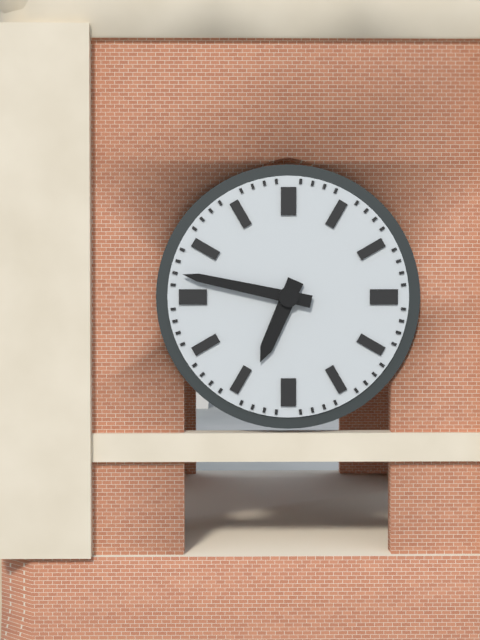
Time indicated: 6:47
